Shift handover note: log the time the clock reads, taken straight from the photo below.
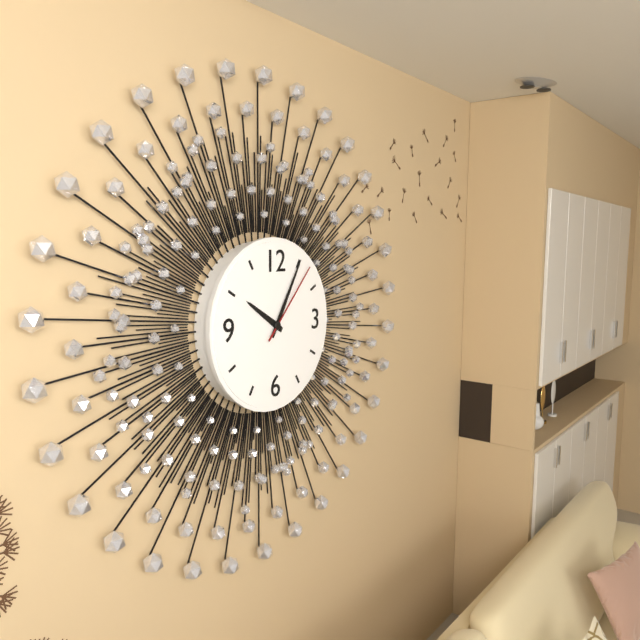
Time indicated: 10:05:07
